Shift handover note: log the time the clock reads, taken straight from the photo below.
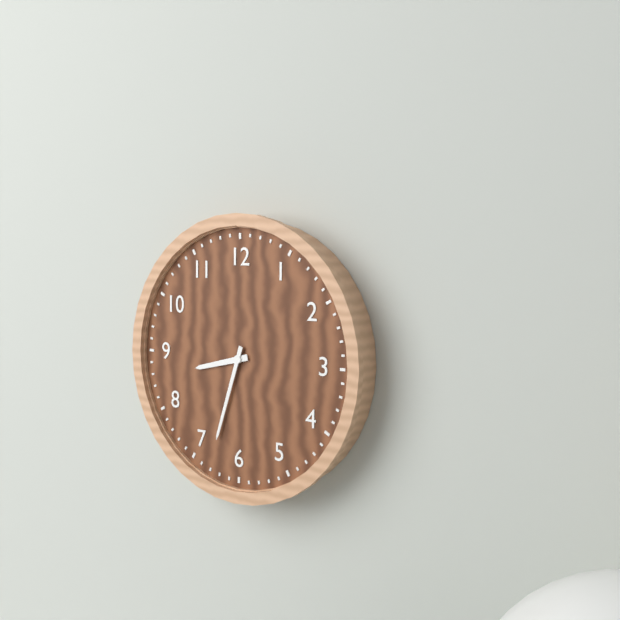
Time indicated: 8:33
